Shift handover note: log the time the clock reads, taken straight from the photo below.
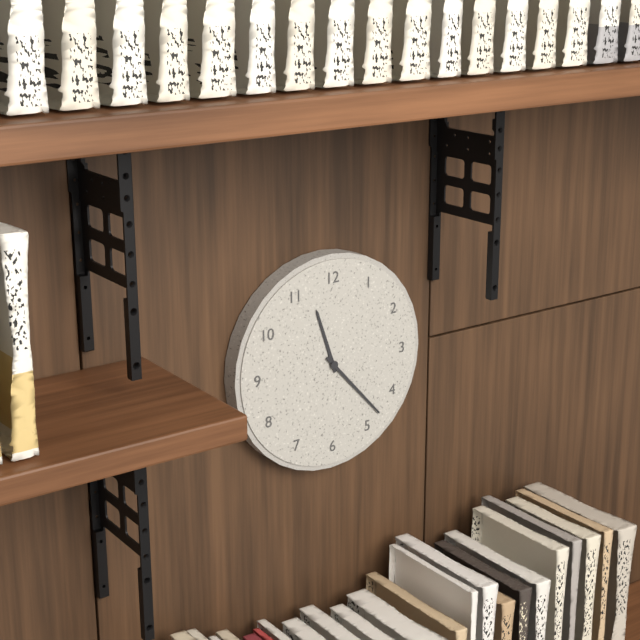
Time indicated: 11:23
